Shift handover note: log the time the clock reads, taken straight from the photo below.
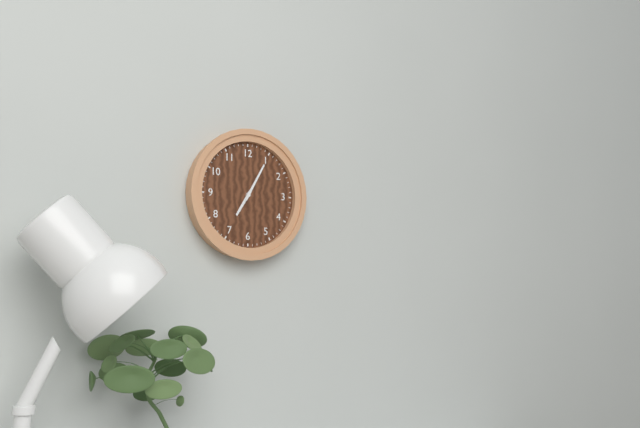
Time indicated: 7:05
